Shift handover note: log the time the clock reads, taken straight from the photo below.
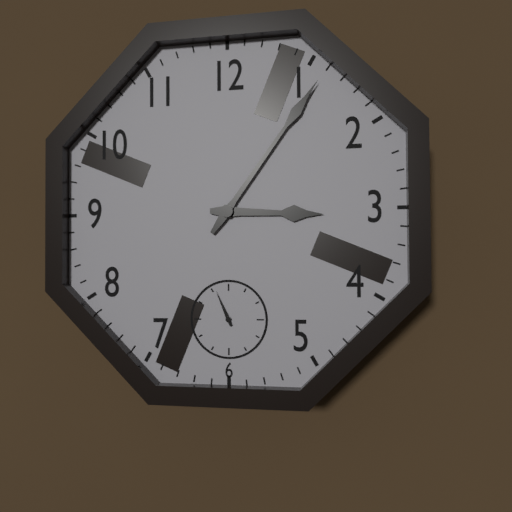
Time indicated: 3:06
